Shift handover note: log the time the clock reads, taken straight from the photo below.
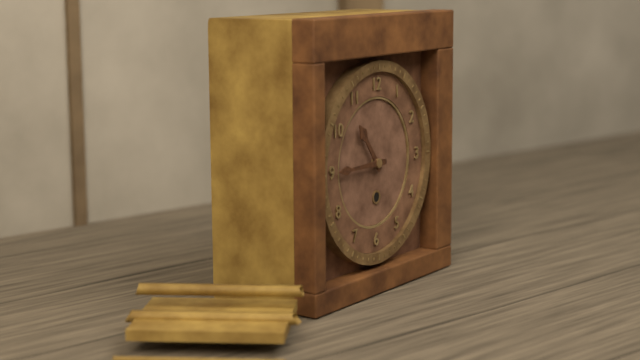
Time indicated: 10:45
